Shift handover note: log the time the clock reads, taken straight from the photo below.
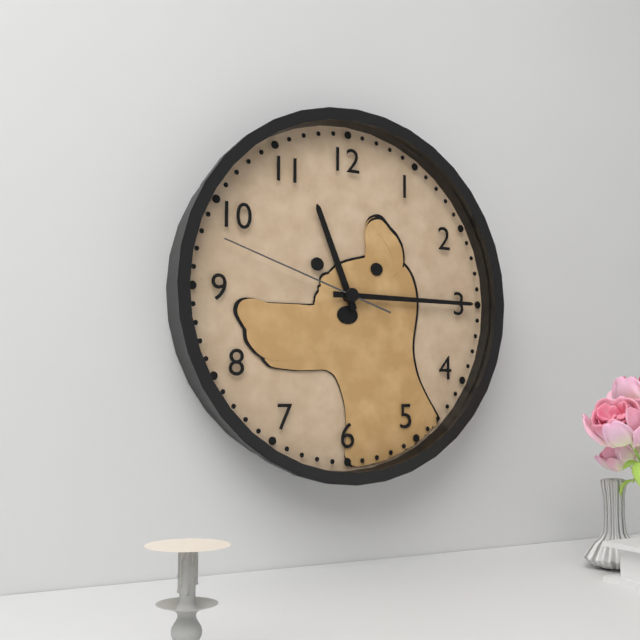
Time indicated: 11:15:48
